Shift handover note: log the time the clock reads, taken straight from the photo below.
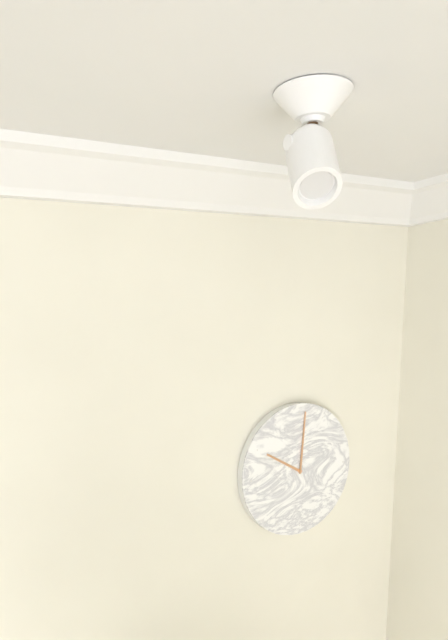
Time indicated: 10:01
